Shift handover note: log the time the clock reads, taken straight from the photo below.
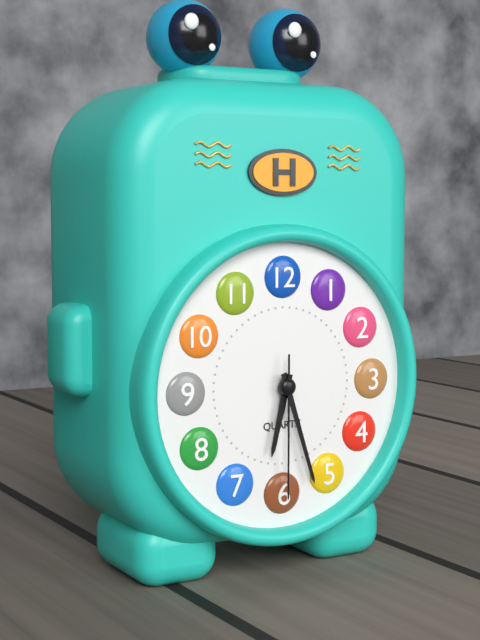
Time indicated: 6:27:30
